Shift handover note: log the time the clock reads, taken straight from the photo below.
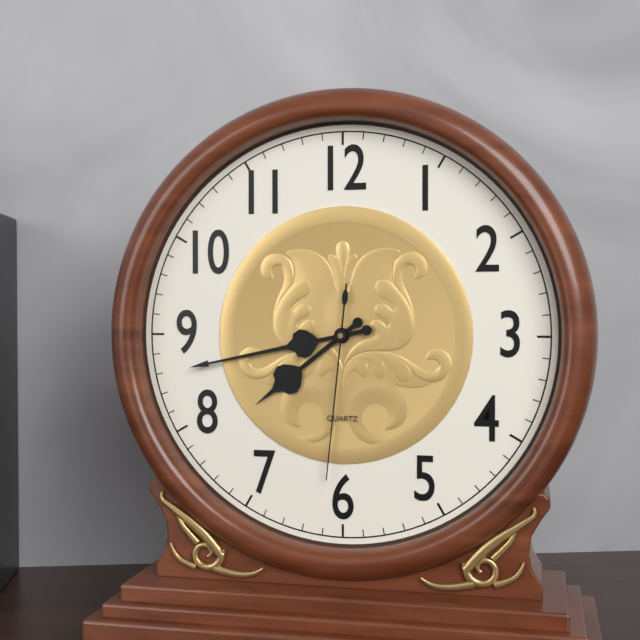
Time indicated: 7:43:31
